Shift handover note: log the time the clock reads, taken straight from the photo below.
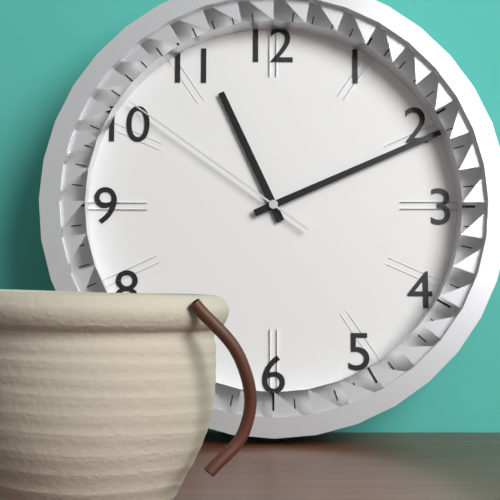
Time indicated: 11:11:51
